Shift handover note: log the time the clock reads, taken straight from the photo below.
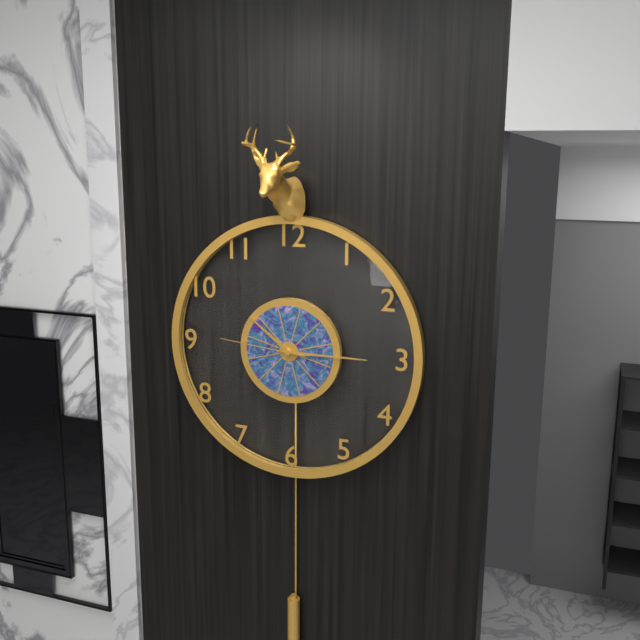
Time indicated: 10:15:46
